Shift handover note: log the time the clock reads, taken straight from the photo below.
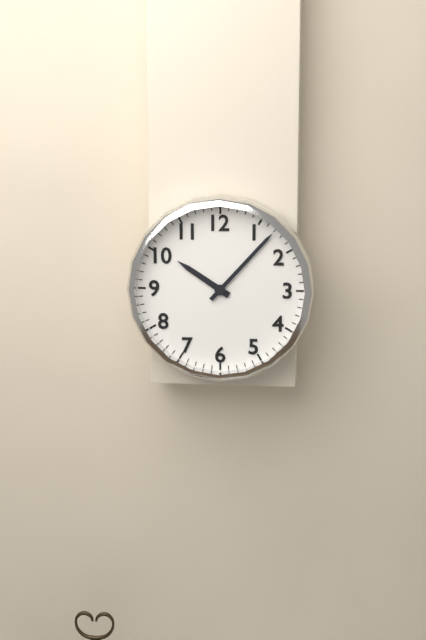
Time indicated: 10:07
